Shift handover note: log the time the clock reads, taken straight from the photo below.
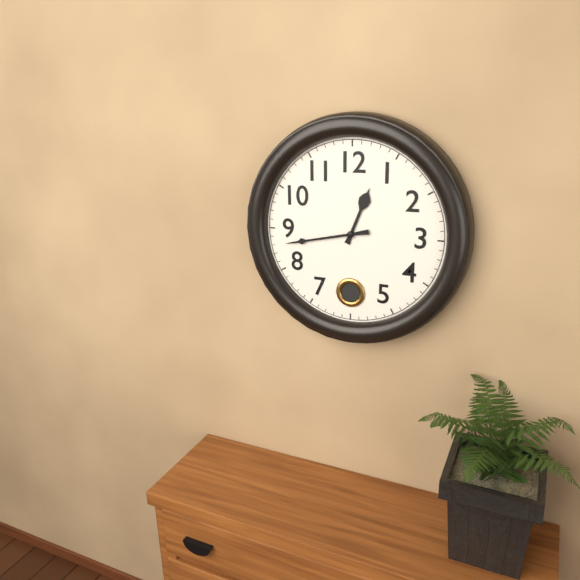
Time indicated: 12:43
